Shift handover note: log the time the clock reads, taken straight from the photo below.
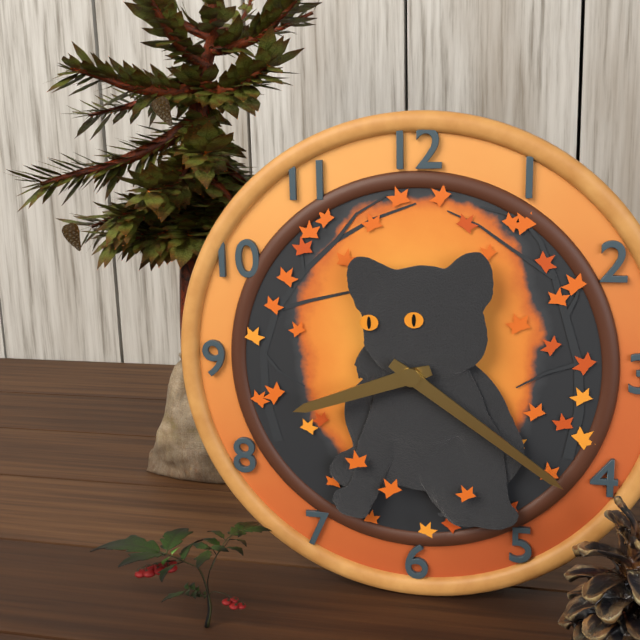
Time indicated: 8:21
